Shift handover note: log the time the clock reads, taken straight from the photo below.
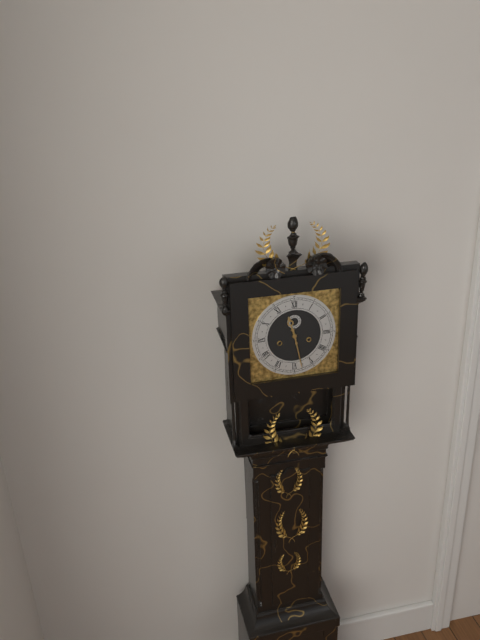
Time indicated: 11:28
